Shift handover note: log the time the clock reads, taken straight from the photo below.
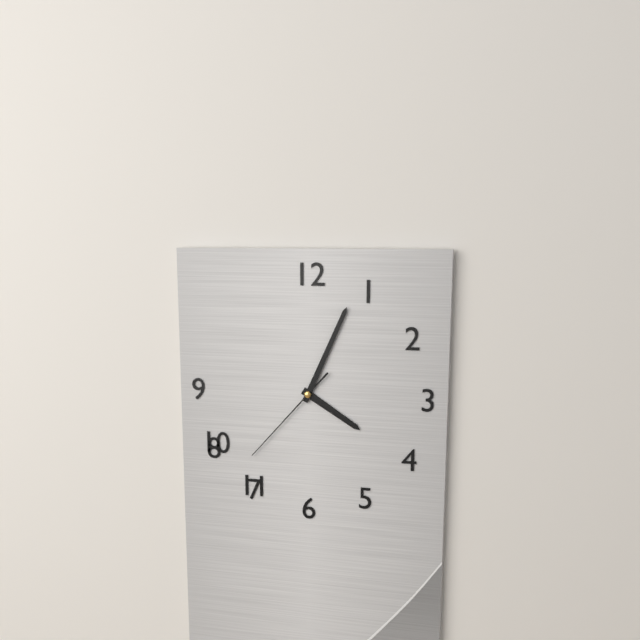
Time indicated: 4:04:37
